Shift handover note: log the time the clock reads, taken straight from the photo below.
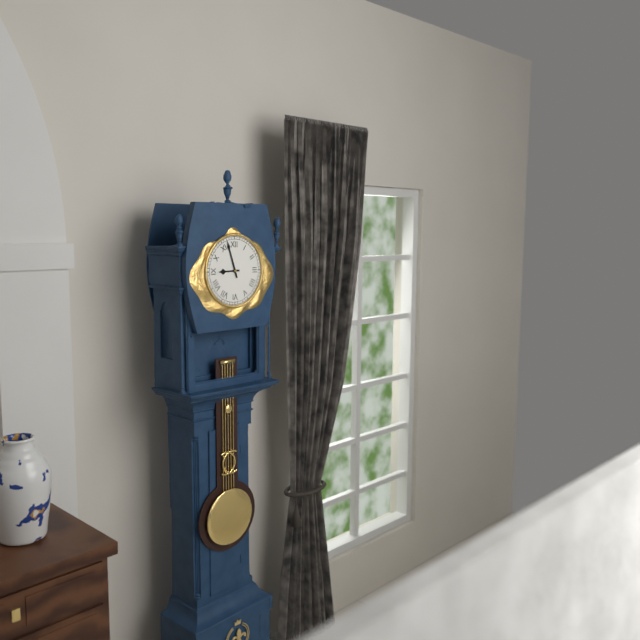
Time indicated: 8:57
